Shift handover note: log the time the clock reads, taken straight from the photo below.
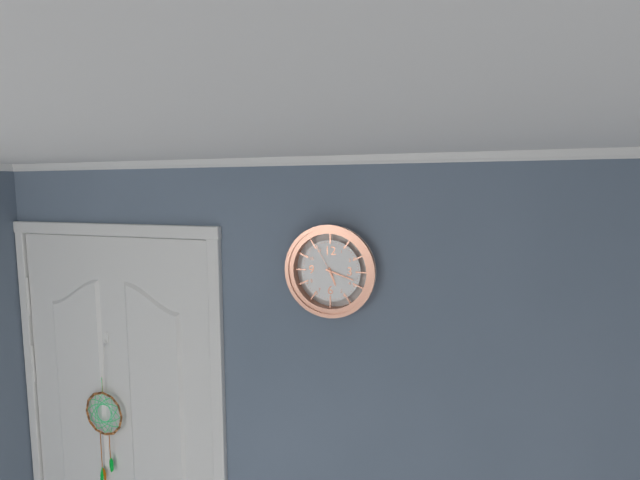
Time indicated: 5:18
